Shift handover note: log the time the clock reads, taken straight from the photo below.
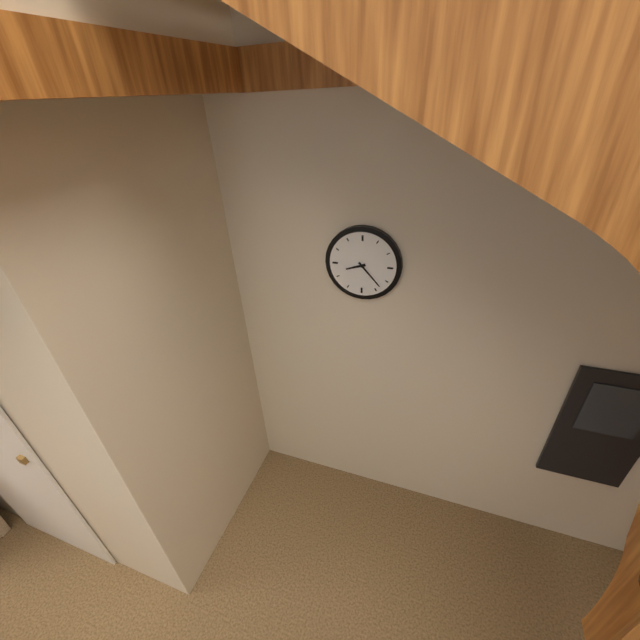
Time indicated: 8:23
